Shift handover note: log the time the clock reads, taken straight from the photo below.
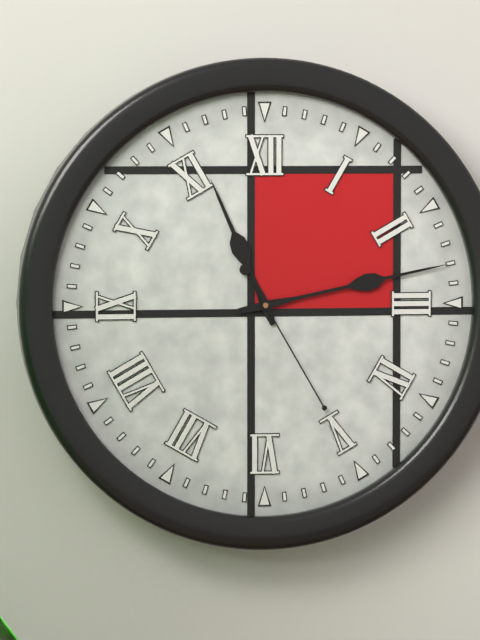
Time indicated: 11:13:25
